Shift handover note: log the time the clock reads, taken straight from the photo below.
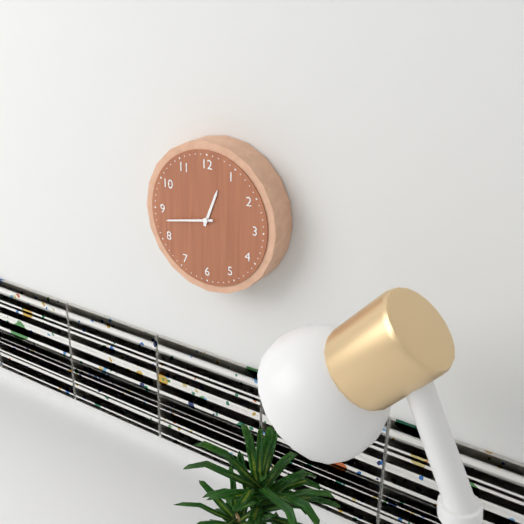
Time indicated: 12:43
